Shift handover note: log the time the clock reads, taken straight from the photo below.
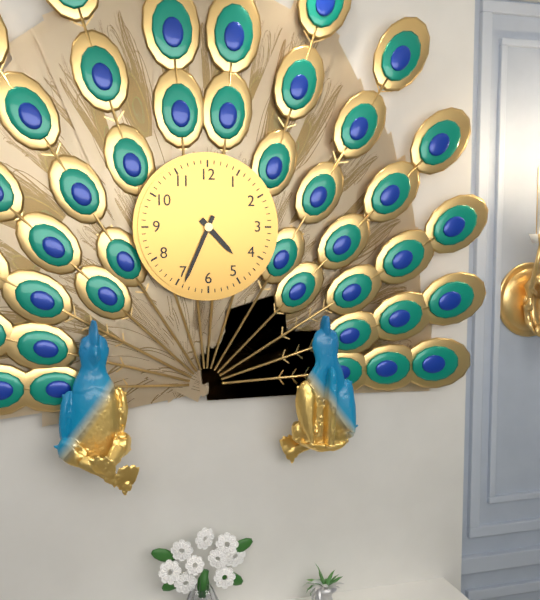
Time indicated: 4:34
